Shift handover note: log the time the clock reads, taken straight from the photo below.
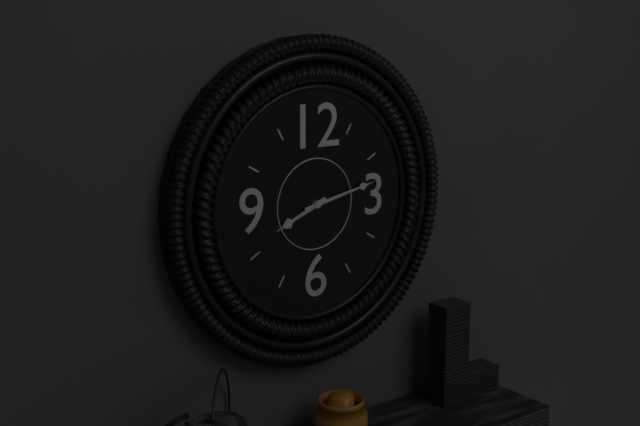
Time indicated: 8:13
